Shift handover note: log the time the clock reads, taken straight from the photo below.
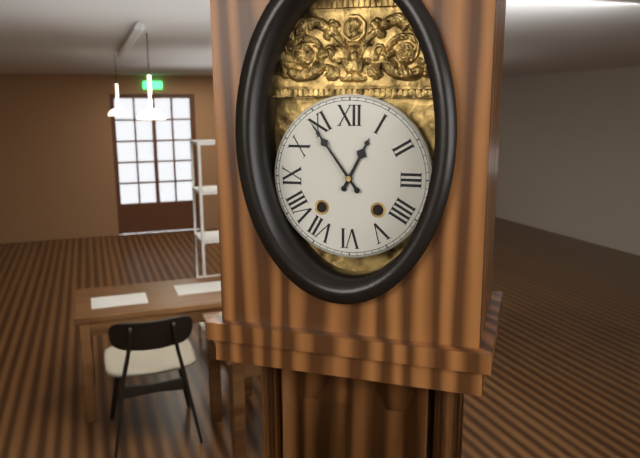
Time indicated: 12:54
